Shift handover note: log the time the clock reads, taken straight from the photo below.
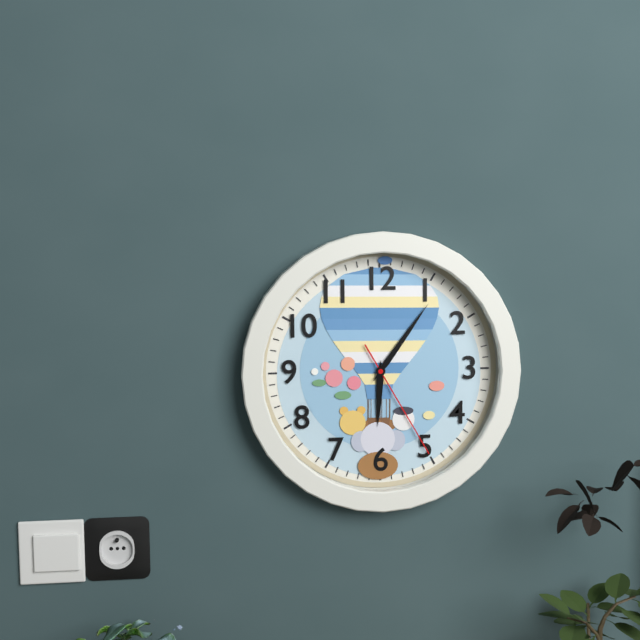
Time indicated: 6:06:25
